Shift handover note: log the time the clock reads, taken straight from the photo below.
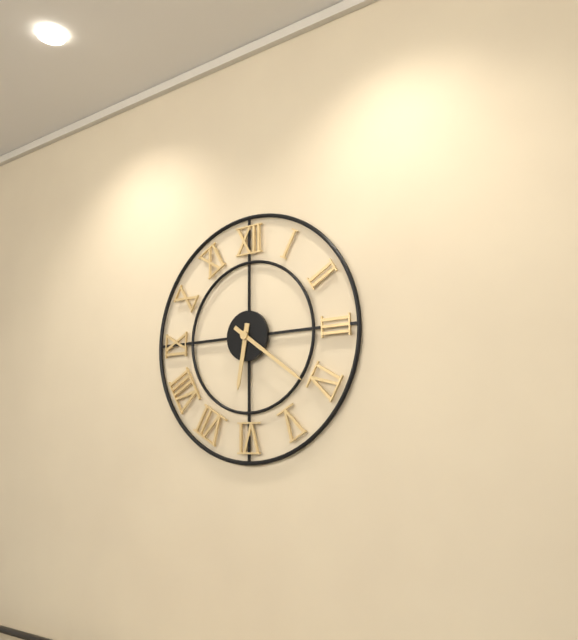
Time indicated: 6:21
